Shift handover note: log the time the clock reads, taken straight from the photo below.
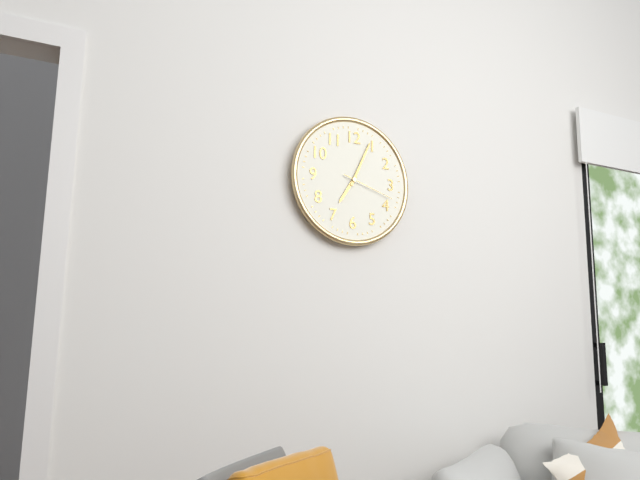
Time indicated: 7:04:18
